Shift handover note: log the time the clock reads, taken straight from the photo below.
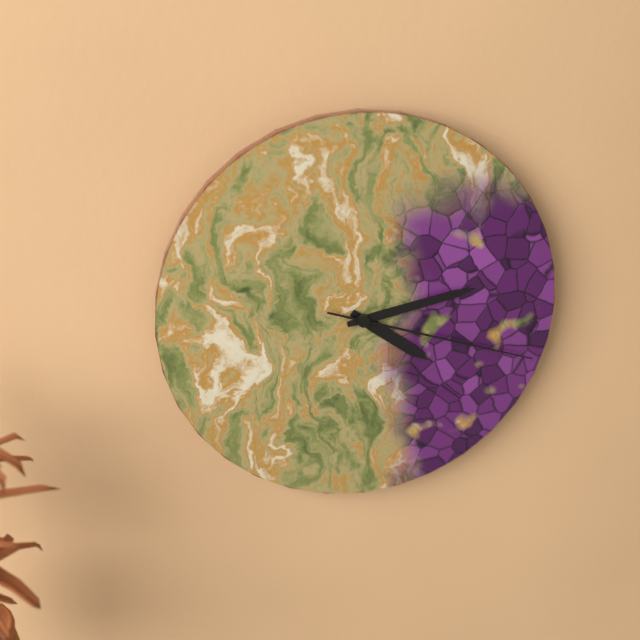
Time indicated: 4:13:18
